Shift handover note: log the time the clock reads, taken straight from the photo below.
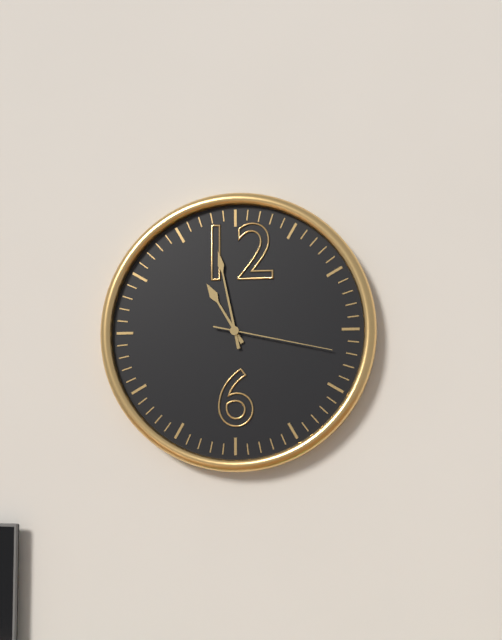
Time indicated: 10:58:17
